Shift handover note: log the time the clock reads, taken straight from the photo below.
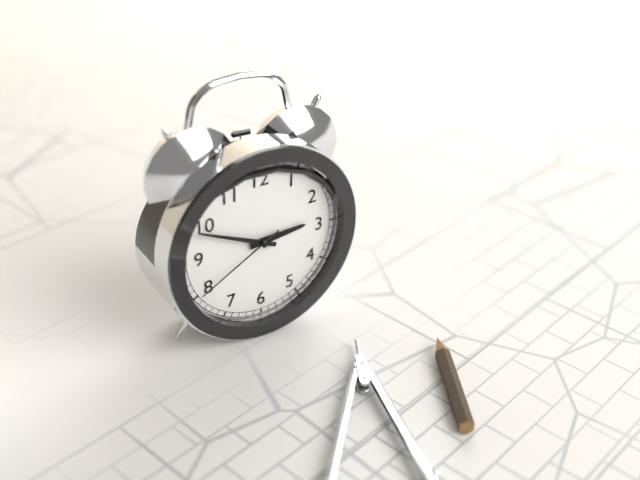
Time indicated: 2:49:40
